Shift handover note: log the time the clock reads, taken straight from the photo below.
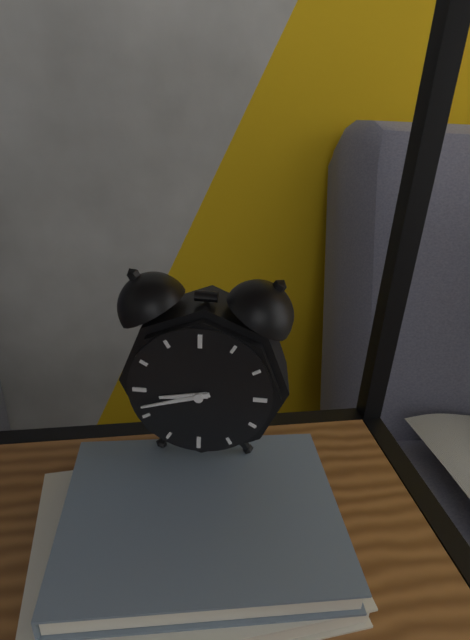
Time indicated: 8:42
